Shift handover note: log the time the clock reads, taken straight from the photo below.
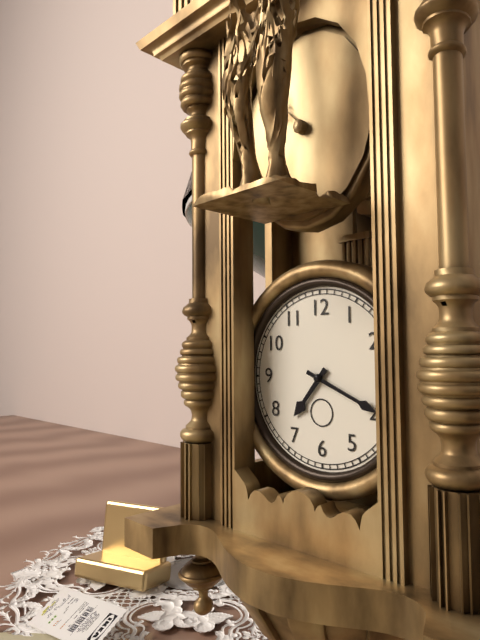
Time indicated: 7:19
